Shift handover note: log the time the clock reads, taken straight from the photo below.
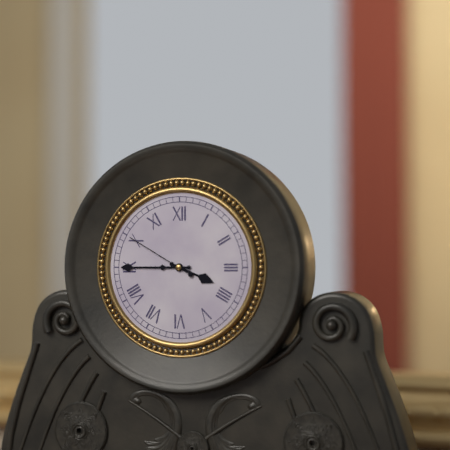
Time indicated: 3:45:50
